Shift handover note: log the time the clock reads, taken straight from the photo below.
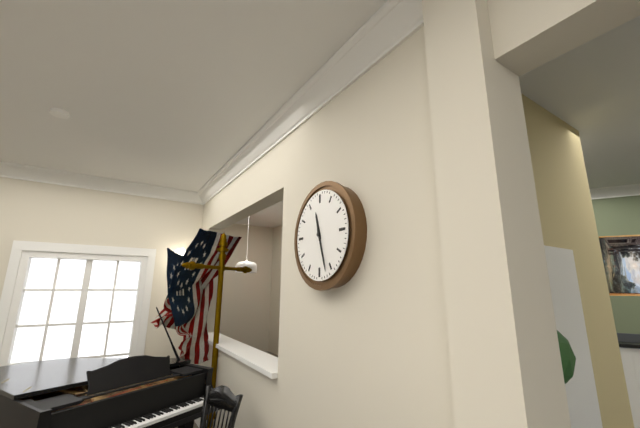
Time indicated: 11:27
